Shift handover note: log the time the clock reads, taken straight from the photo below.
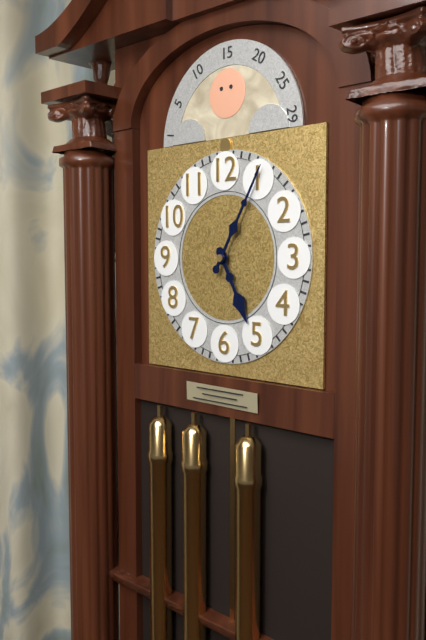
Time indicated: 5:05
